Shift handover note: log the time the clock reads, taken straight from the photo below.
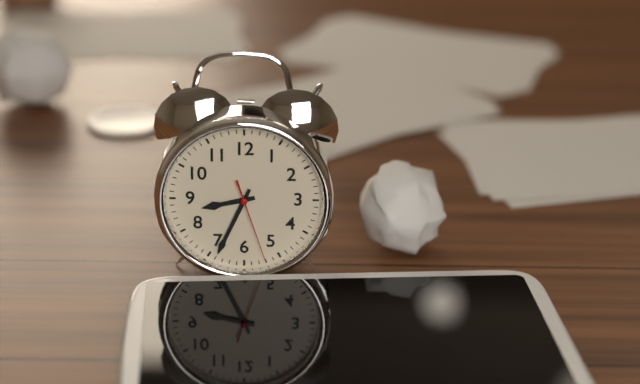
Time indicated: 8:34:27
